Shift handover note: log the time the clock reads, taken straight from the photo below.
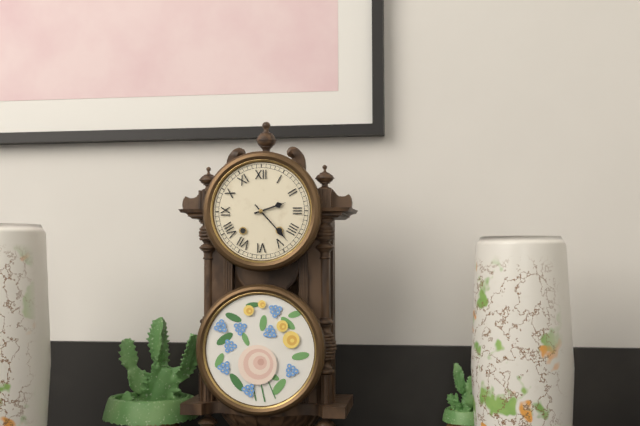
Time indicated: 2:23
